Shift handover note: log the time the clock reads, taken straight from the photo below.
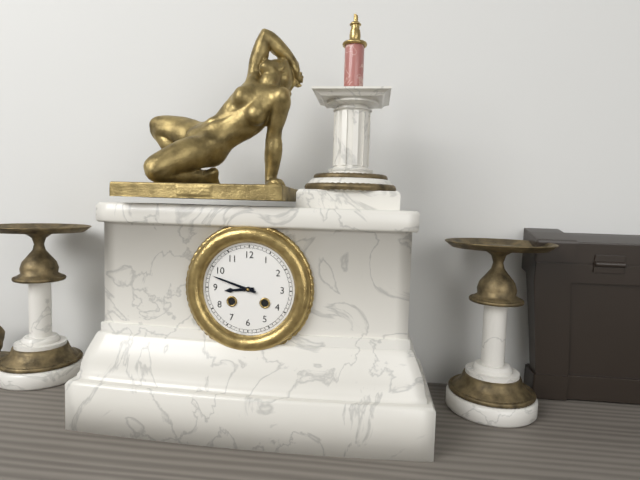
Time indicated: 8:48
